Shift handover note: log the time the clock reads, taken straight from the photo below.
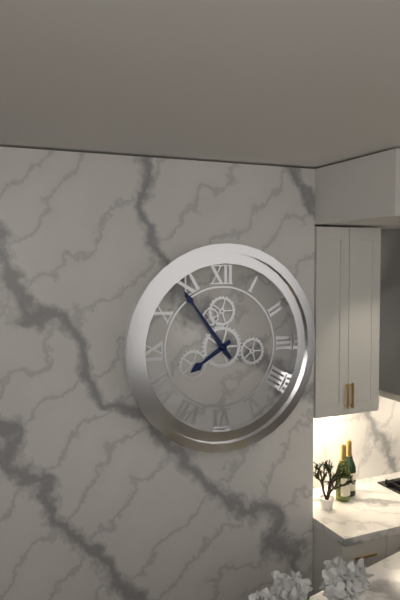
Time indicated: 7:54
